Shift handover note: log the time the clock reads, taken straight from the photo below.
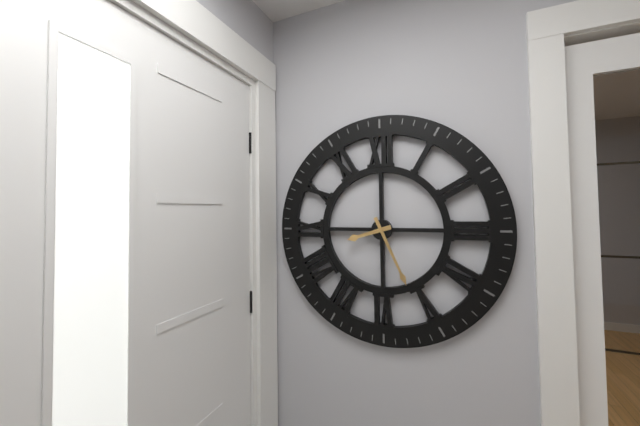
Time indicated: 8:26
